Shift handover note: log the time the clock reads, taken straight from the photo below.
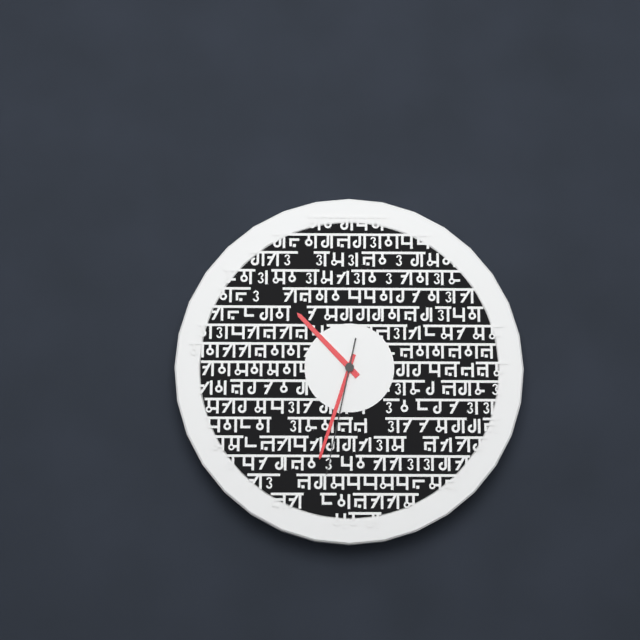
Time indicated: 10:33:32
